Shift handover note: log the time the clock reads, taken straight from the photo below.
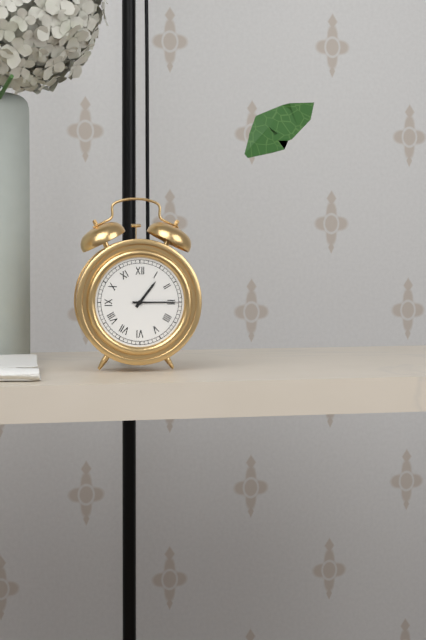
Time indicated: 1:15
